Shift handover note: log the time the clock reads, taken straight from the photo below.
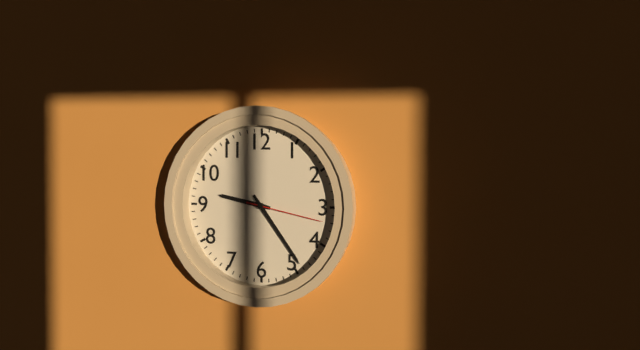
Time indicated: 9:24:17
